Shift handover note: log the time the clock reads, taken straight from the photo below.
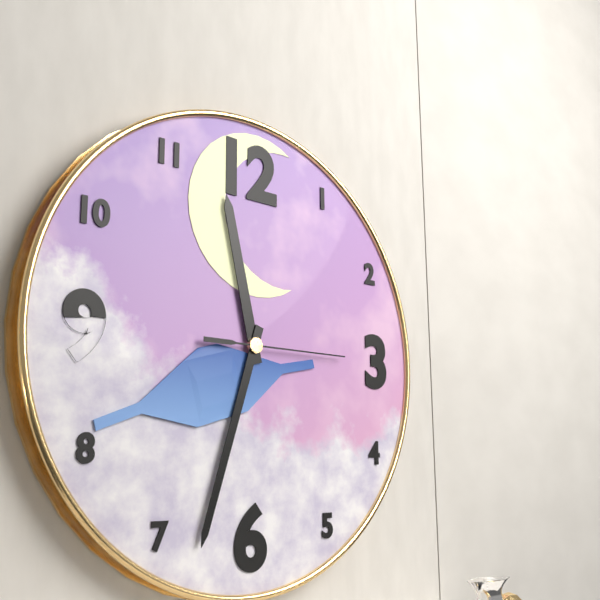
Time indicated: 11:33:15
